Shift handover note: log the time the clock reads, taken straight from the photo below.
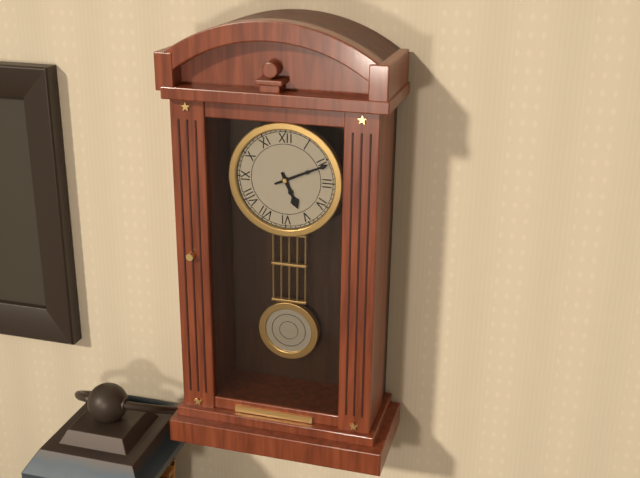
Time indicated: 5:11
